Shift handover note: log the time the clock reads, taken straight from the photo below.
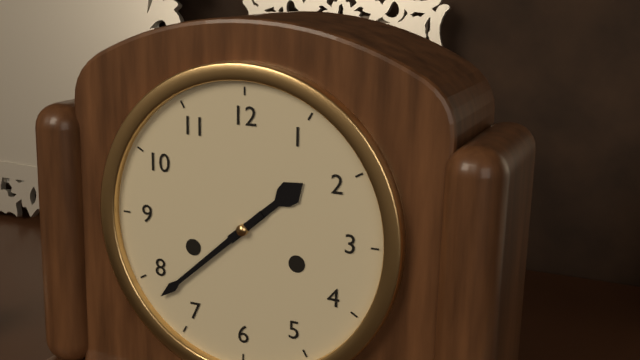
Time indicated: 1:38
